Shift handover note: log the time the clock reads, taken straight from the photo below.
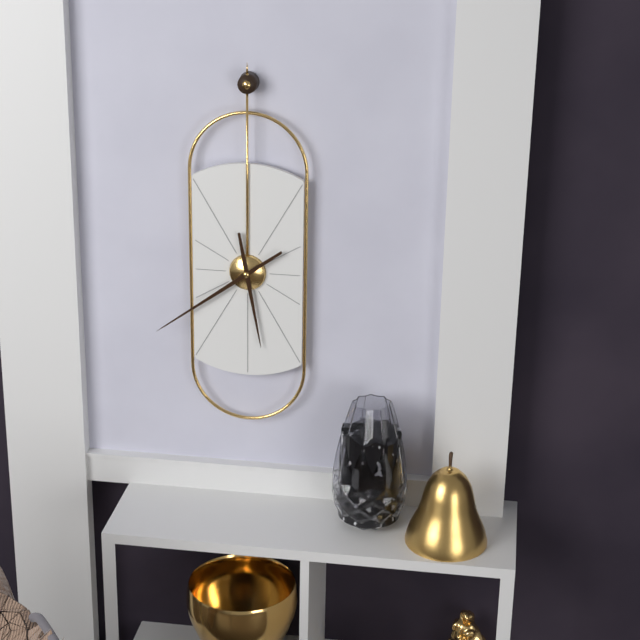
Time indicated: 5:39
